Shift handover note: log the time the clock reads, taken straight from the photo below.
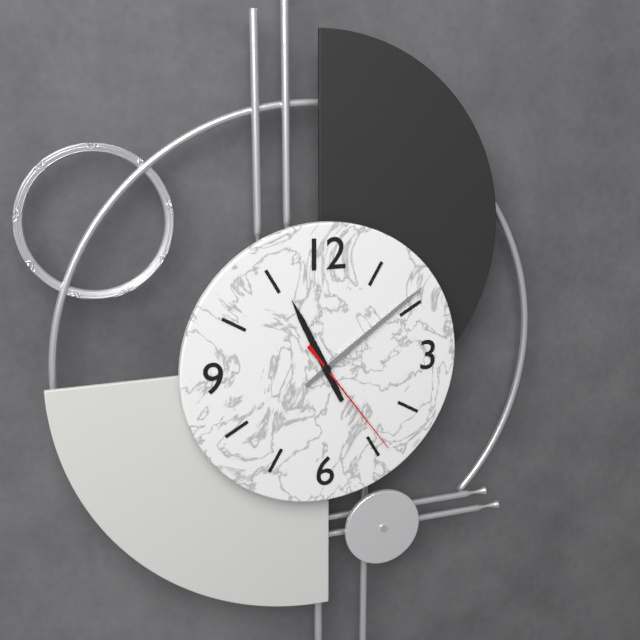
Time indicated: 11:09:24
